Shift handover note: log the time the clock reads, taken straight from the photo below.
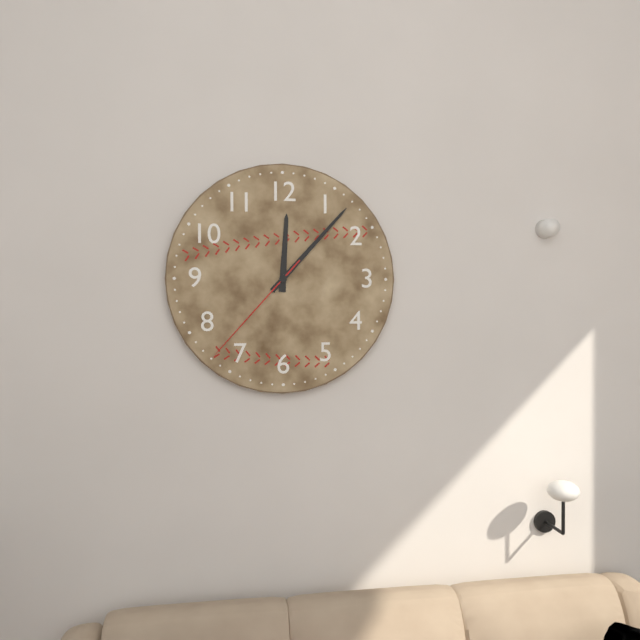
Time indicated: 12:07:37
